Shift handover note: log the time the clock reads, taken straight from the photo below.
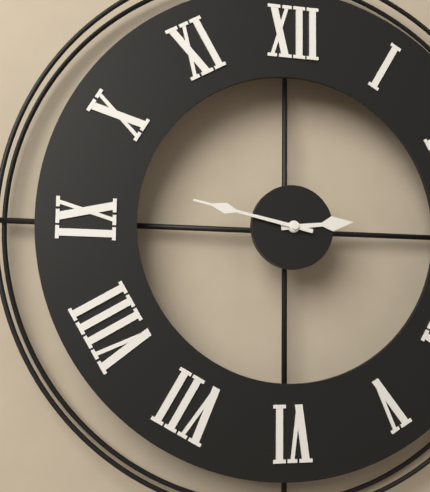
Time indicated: 2:47
